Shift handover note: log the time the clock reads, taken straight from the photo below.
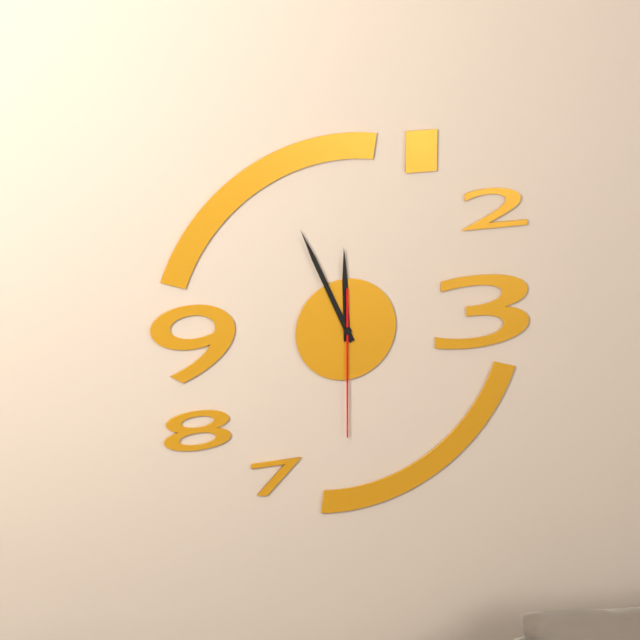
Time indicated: 11:56:30
